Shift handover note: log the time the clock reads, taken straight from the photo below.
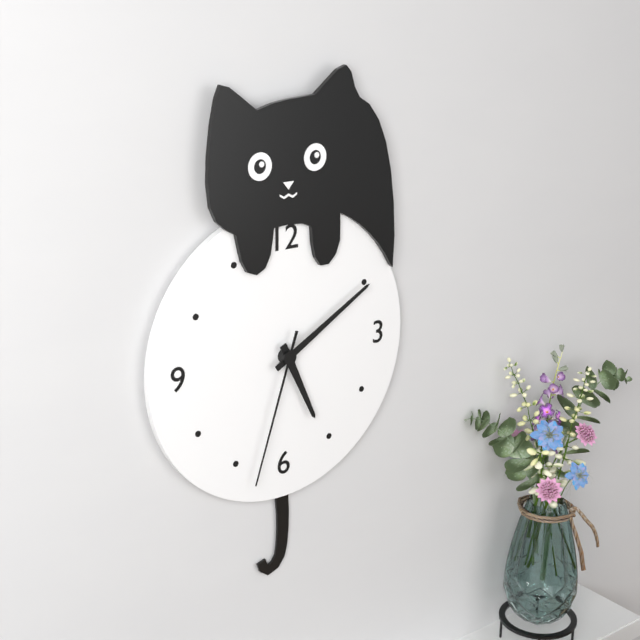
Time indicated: 5:10:33
